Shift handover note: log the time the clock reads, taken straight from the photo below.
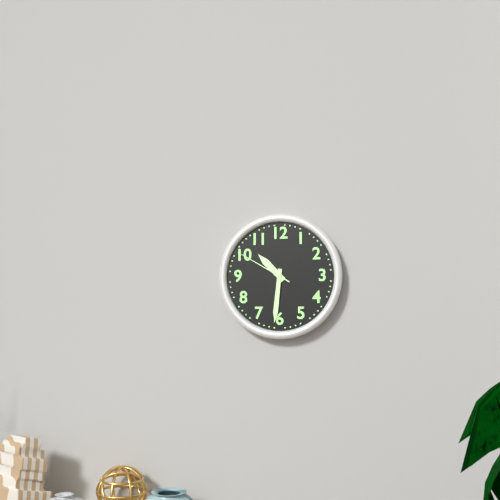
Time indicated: 10:31:50
